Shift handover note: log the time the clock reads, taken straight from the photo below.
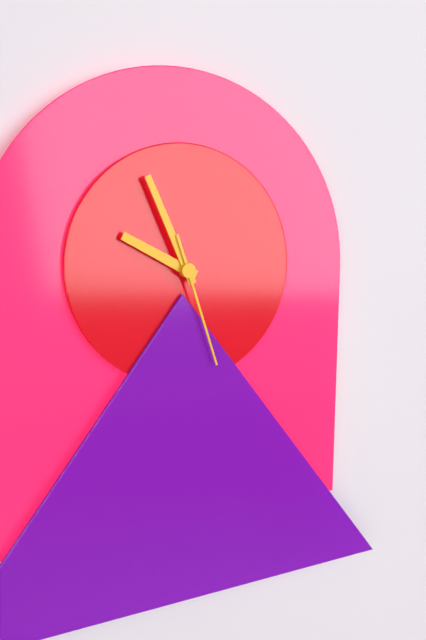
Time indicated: 9:56:27
